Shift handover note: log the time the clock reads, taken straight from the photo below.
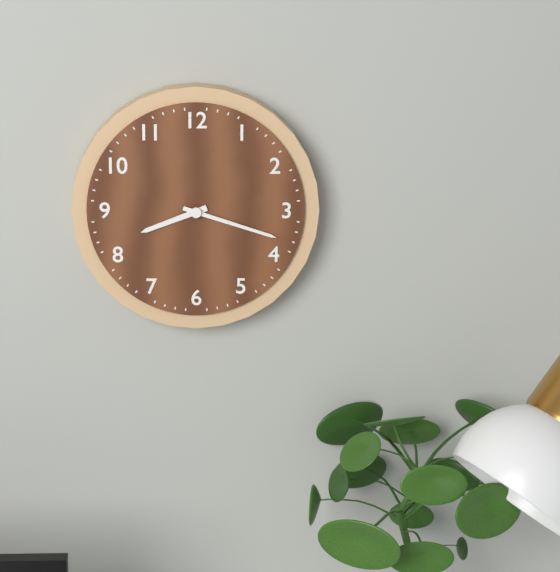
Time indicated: 8:18
